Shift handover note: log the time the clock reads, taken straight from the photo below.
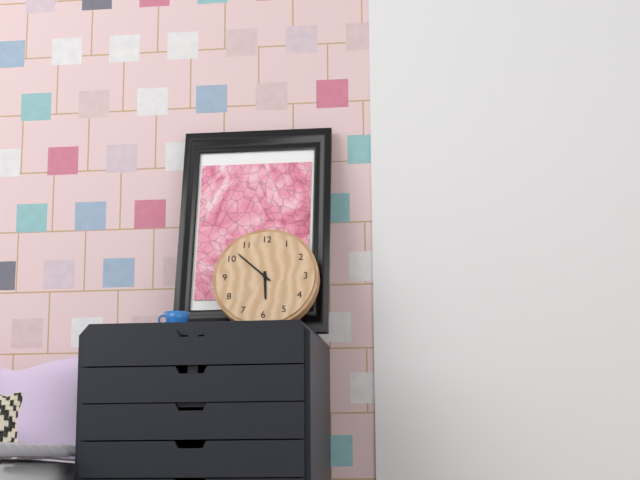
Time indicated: 5:52
